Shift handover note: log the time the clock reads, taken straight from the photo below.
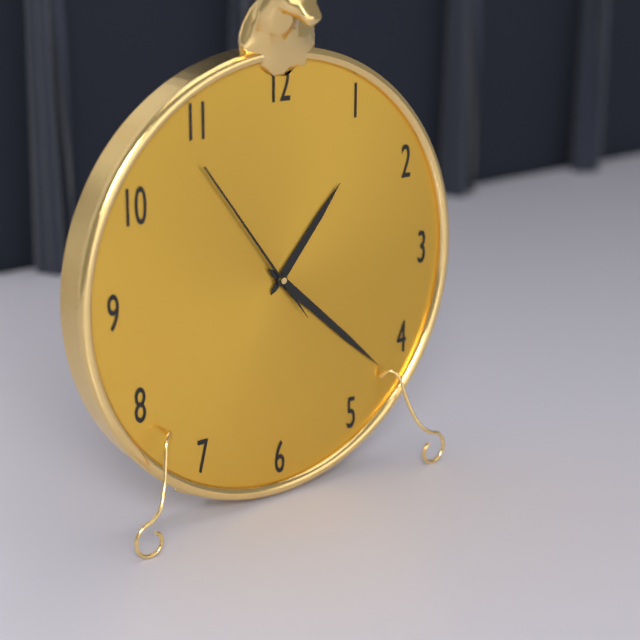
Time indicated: 1:22:54
